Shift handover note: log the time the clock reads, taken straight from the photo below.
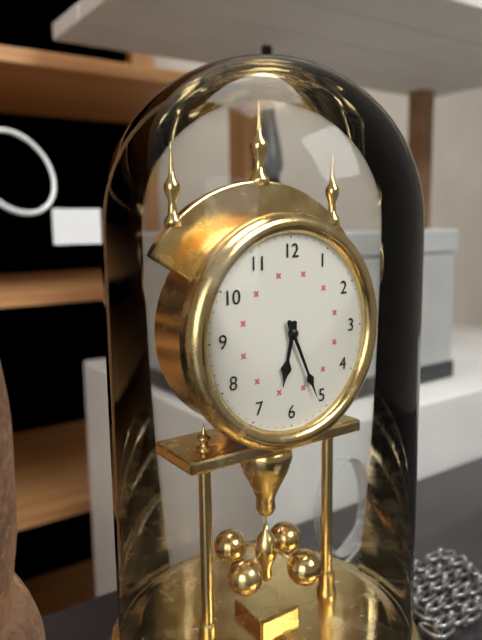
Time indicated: 6:26
